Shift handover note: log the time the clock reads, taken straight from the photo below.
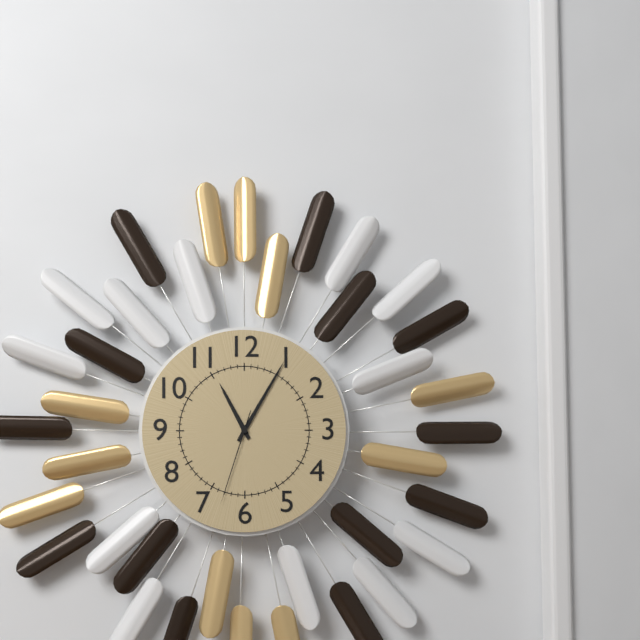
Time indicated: 11:05:33
